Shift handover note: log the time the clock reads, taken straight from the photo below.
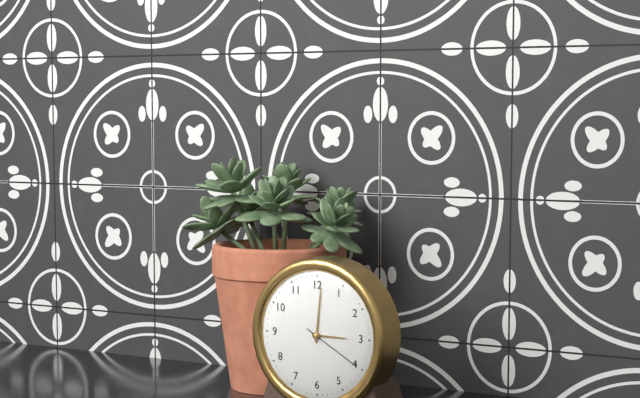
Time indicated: 3:01:20
